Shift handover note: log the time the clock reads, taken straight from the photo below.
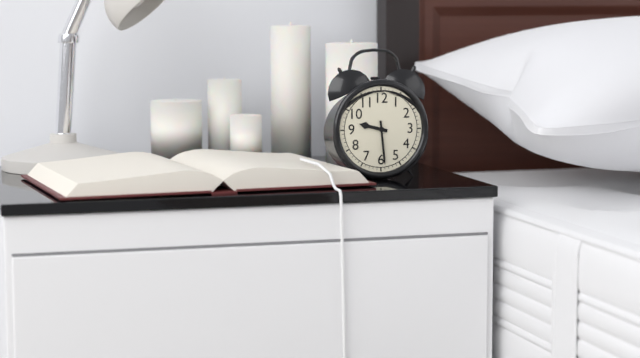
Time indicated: 9:29
